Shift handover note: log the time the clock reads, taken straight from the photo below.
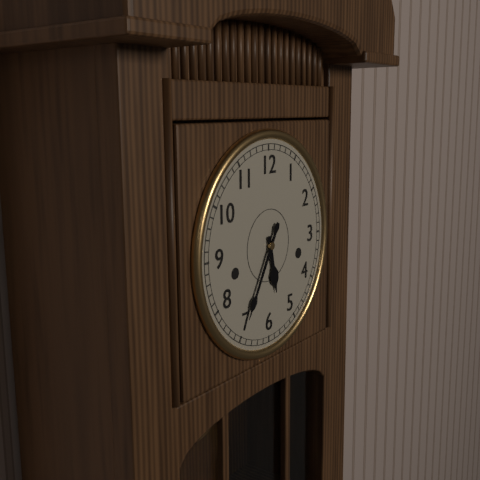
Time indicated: 5:35
